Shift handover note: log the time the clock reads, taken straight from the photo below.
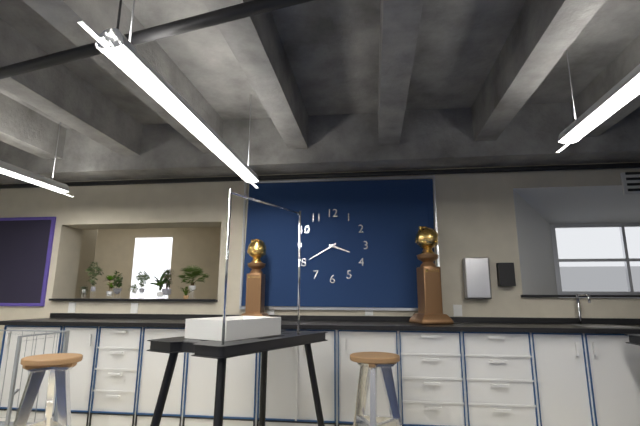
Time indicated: 3:40
